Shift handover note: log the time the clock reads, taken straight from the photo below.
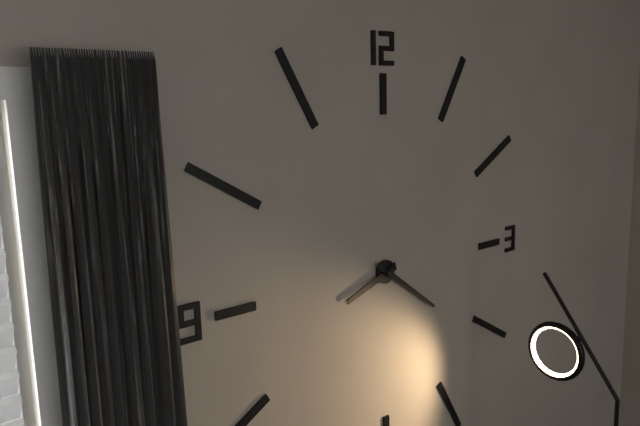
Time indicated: 8:21
